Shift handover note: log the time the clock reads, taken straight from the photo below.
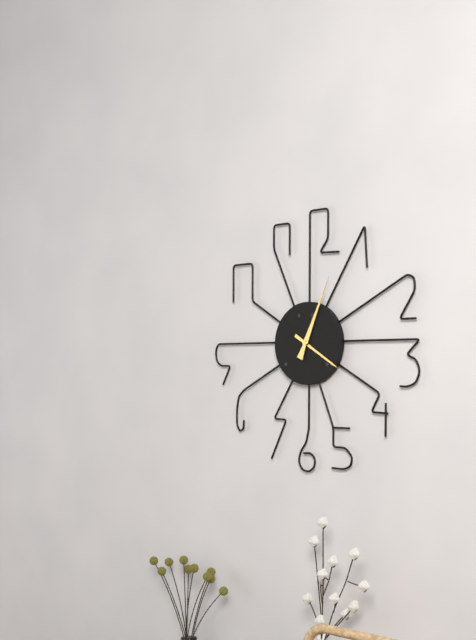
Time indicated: 4:04
